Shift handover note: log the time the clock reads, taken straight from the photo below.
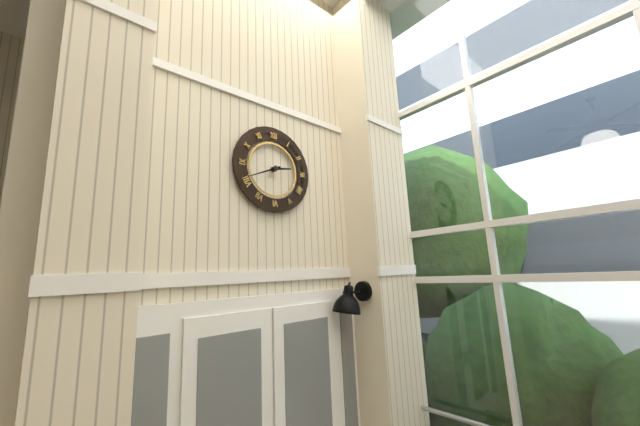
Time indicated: 2:41
